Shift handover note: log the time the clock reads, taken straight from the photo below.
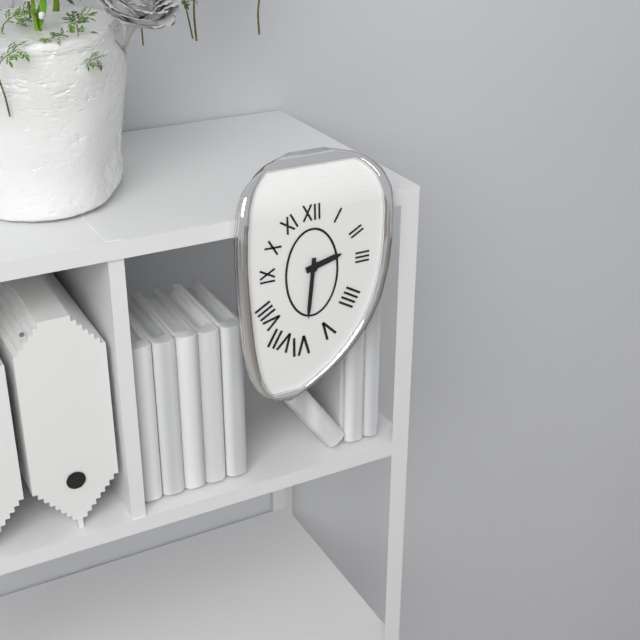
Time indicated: 2:31
